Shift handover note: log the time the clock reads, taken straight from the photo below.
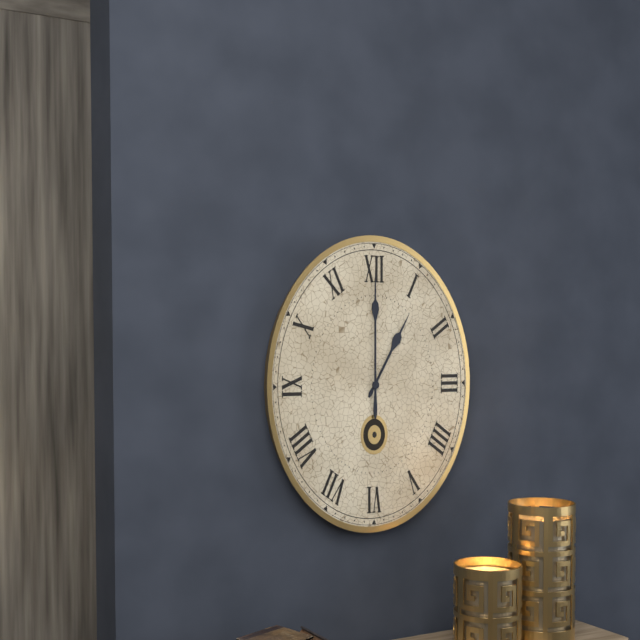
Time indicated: 1:00
